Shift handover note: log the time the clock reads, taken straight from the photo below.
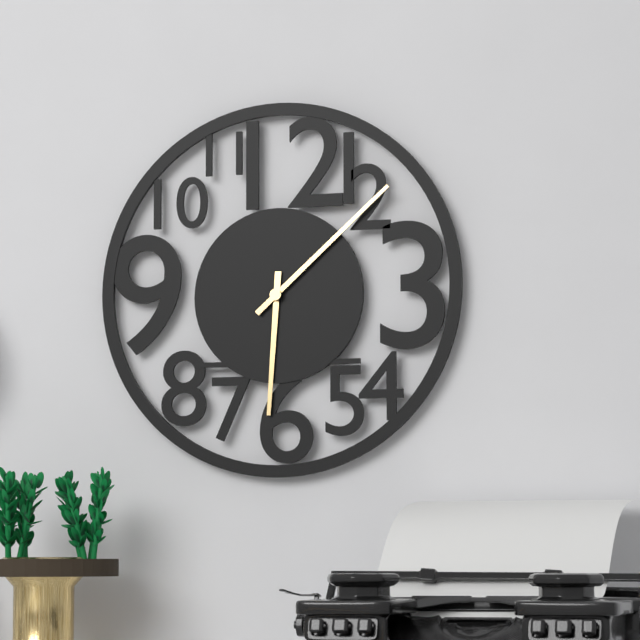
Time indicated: 6:08
